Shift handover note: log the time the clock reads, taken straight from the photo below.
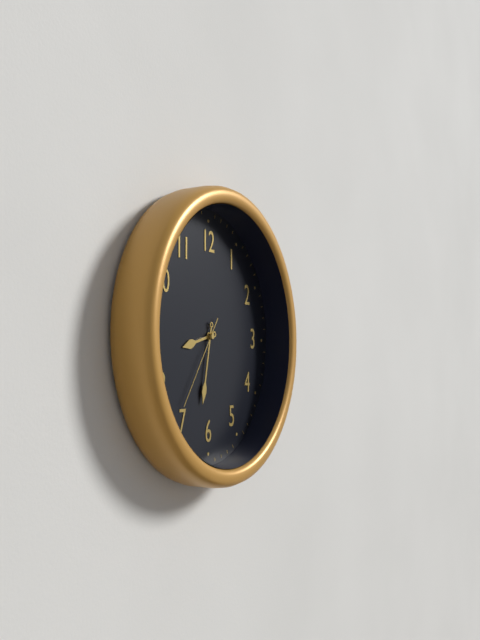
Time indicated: 8:32:36
